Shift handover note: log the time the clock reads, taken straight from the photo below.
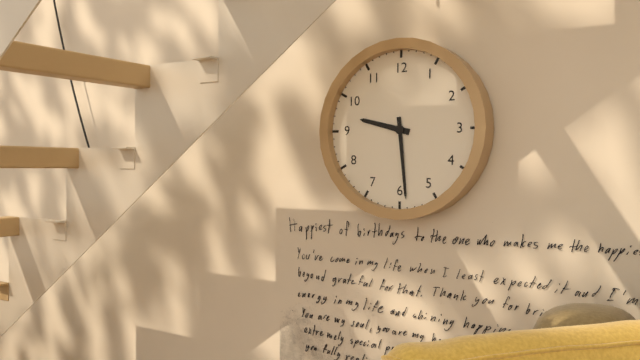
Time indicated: 9:29
